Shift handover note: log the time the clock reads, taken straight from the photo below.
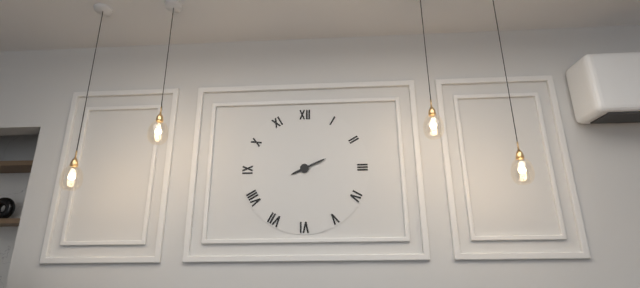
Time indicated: 8:11
